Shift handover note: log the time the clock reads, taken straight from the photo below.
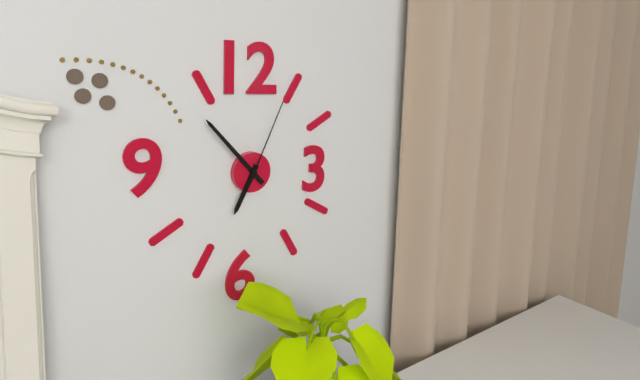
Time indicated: 6:53:04
